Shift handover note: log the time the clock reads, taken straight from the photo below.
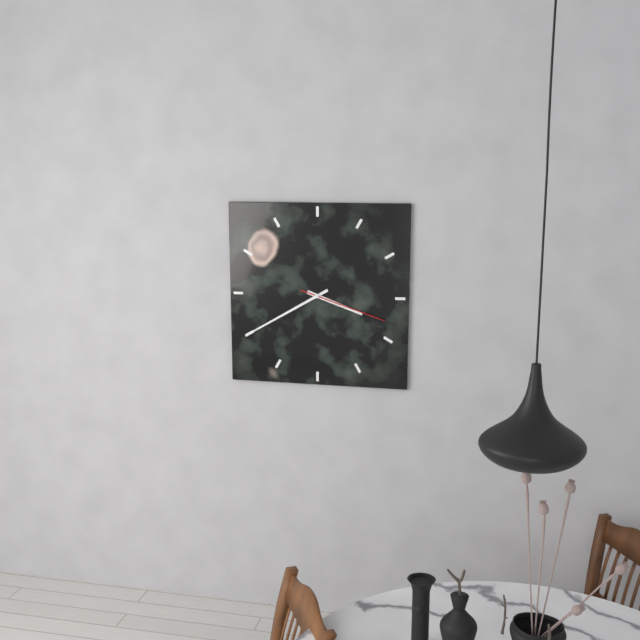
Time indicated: 3:40:18
